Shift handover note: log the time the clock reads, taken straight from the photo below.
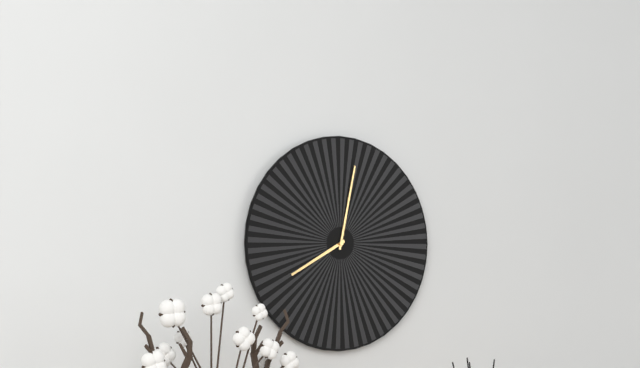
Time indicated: 8:02
